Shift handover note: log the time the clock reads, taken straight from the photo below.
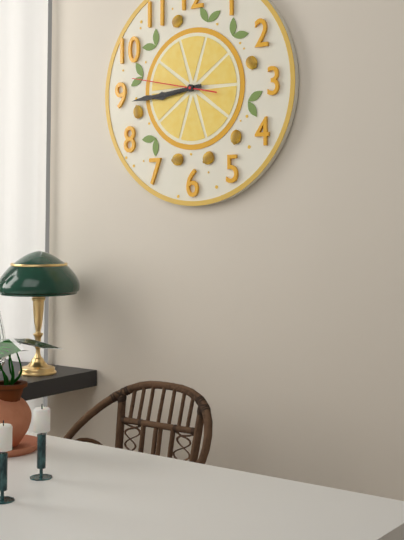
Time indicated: 8:44:47
